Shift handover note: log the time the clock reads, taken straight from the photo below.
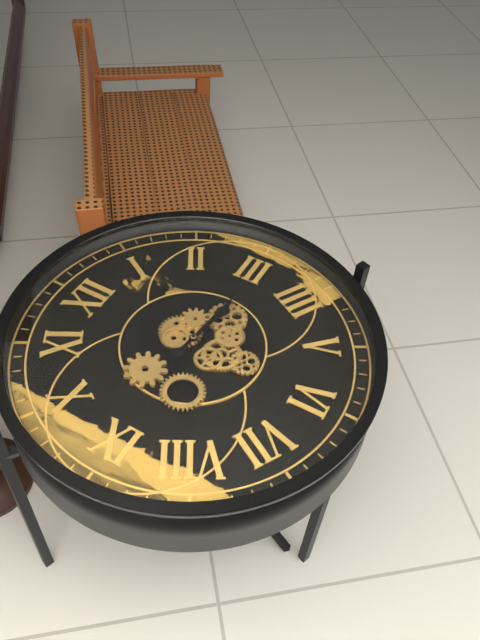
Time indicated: 3:16
